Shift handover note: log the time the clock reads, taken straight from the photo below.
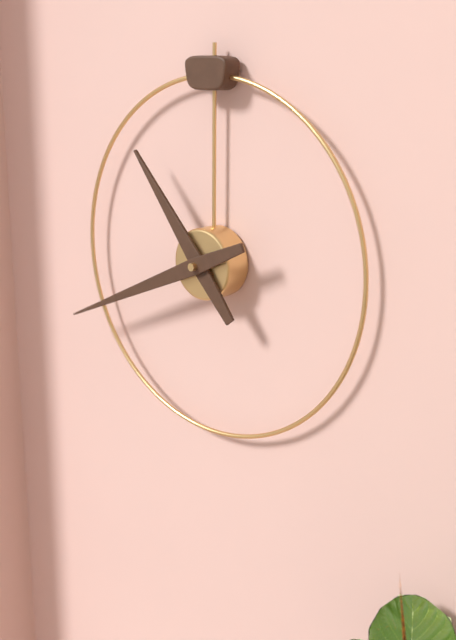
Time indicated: 10:41
